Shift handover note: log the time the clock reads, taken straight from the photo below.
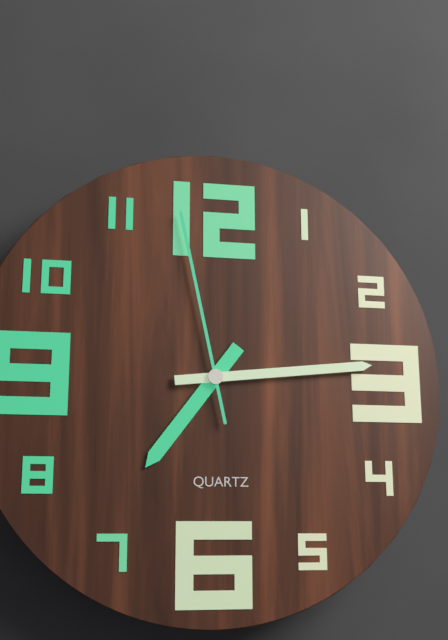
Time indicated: 7:14:58
